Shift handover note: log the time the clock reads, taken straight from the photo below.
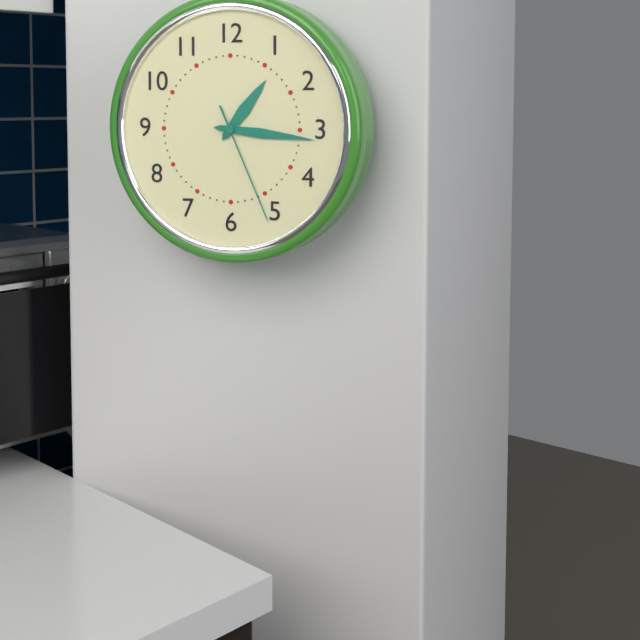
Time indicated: 1:16:26
